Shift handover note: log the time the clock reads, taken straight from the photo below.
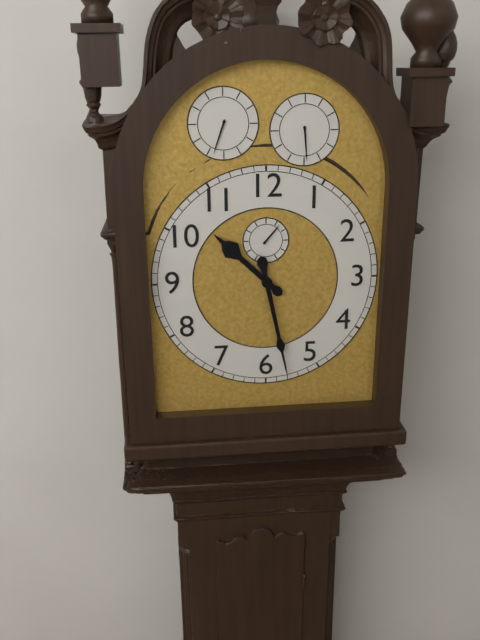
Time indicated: 10:28
